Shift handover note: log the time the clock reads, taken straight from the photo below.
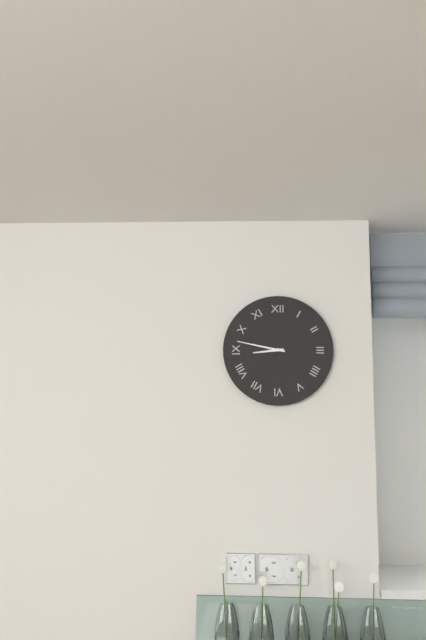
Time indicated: 8:47
